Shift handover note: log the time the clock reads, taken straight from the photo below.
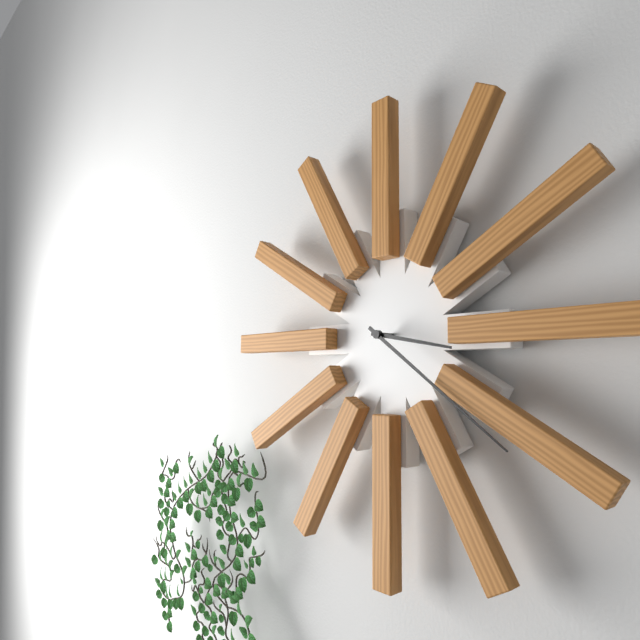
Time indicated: 3:21
